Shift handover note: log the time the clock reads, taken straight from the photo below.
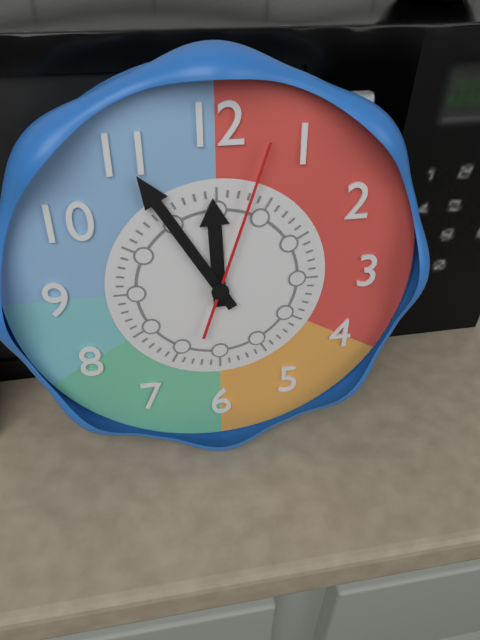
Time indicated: 11:55:03
